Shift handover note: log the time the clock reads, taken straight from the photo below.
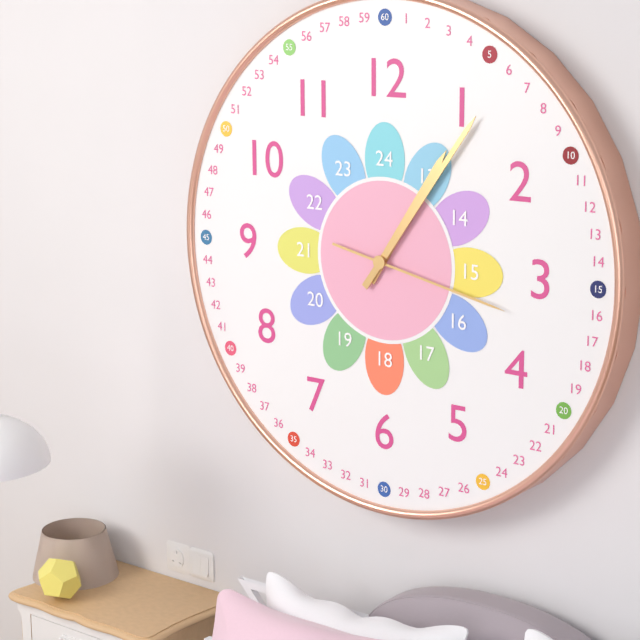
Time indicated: 1:06:17
